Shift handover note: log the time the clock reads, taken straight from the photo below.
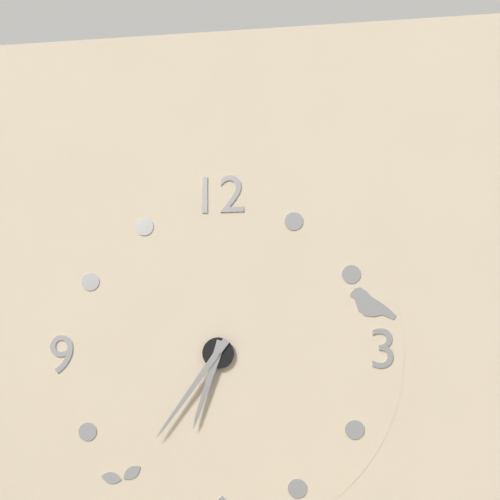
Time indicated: 6:36
